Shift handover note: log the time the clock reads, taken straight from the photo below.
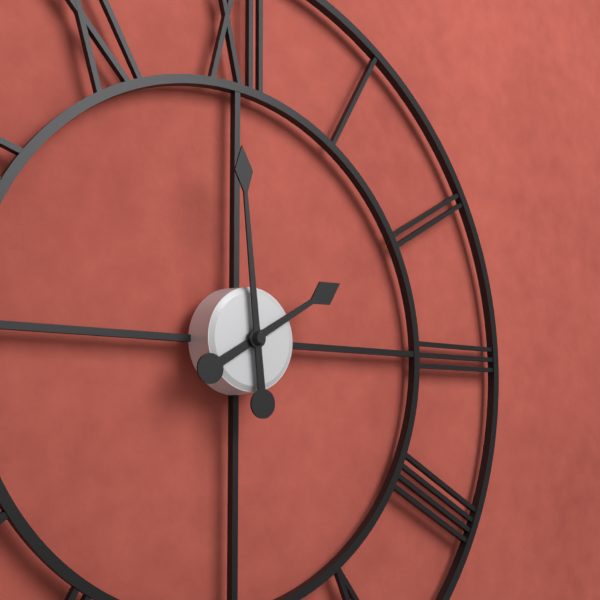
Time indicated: 1:59
